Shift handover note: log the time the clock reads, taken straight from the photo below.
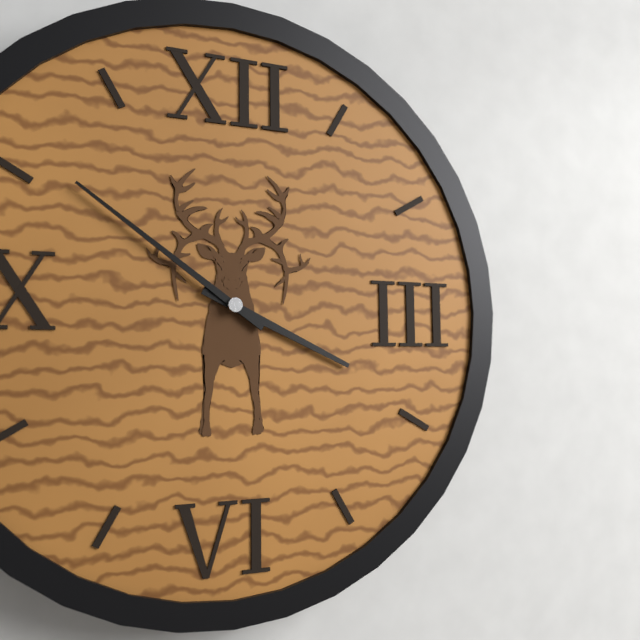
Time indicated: 3:51
